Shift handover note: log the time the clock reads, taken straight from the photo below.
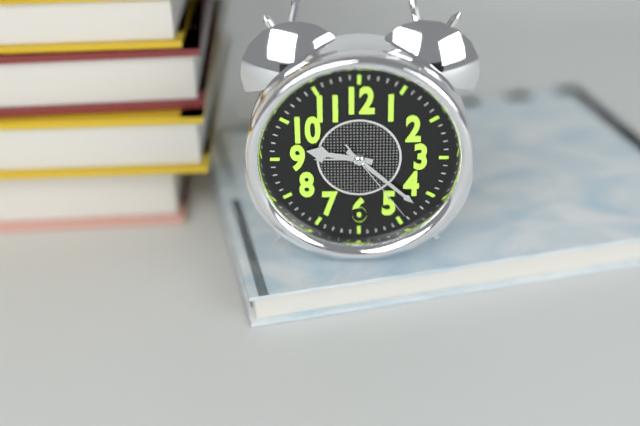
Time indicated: 9:22:24
